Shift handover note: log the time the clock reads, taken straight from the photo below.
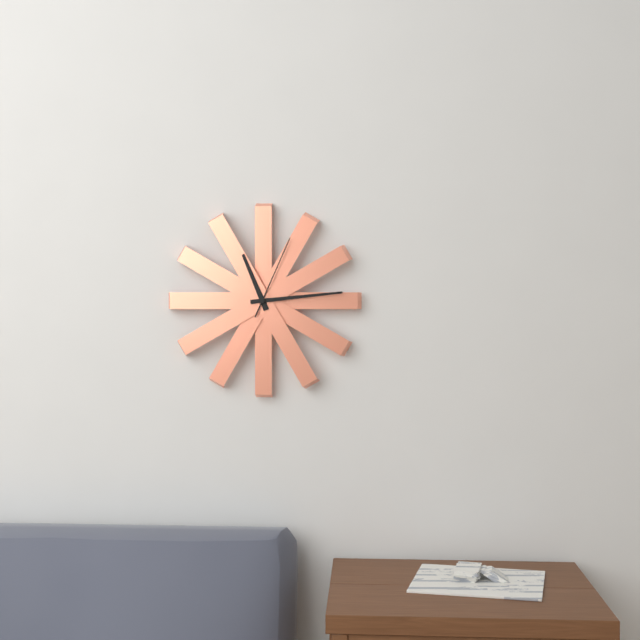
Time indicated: 11:14:04
